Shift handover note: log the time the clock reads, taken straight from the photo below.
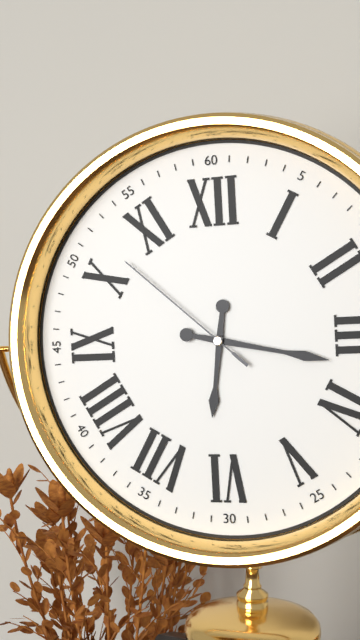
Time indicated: 6:17:52
